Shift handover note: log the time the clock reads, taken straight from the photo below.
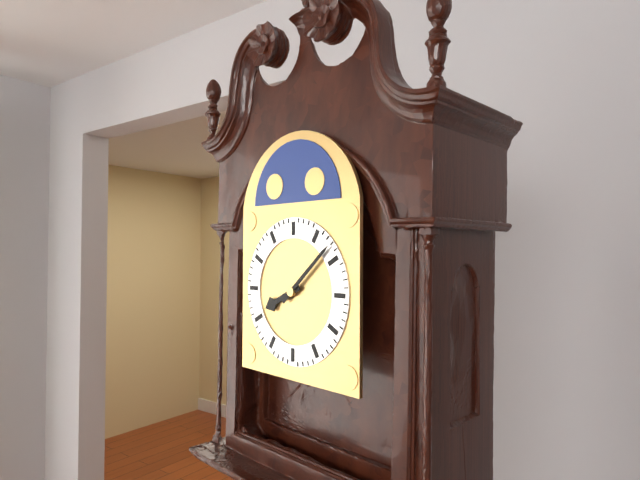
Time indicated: 8:08
